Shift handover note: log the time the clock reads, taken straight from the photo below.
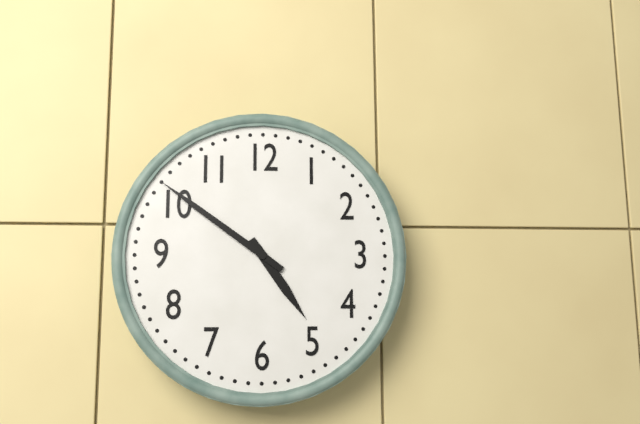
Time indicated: 4:51
